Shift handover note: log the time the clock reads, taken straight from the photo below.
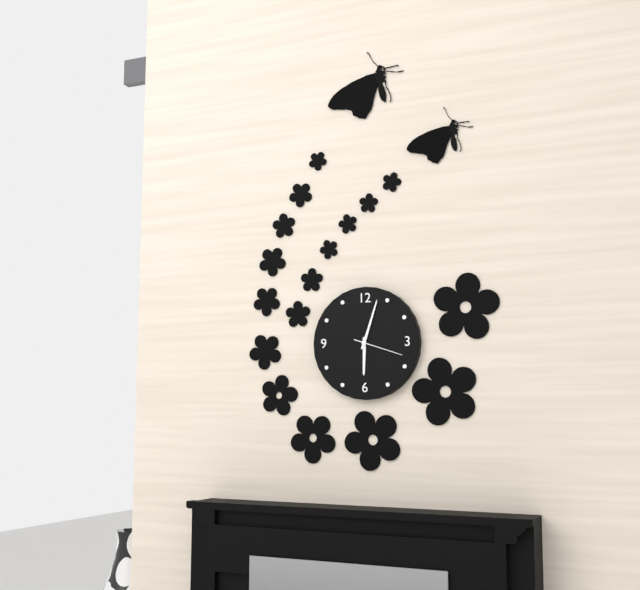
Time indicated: 6:03:18
